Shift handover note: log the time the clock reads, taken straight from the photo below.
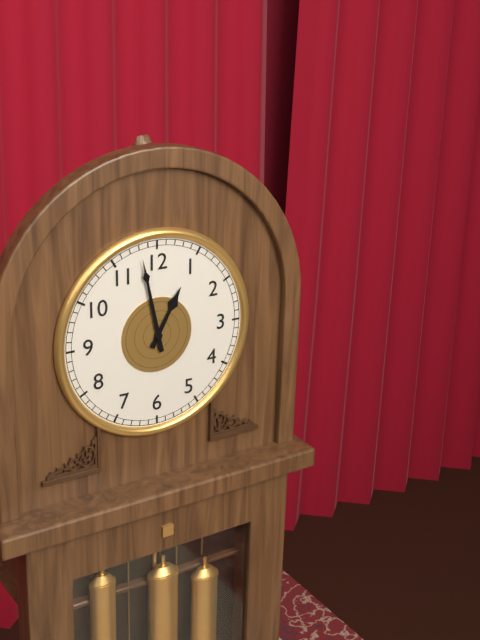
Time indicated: 12:58
